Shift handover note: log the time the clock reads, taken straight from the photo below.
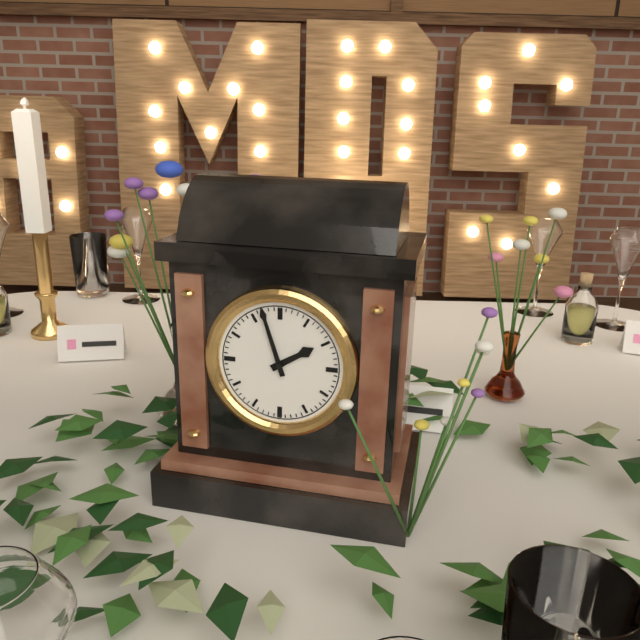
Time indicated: 1:57
